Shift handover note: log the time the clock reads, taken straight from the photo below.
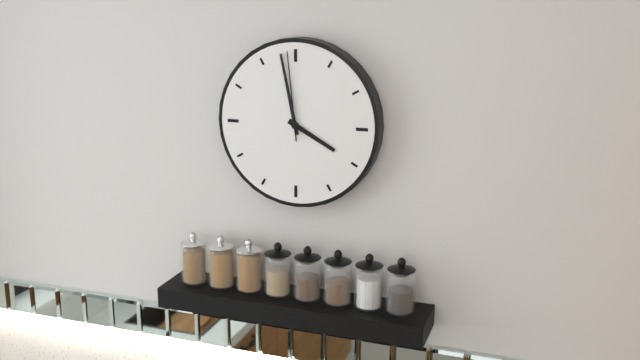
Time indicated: 3:58:59
